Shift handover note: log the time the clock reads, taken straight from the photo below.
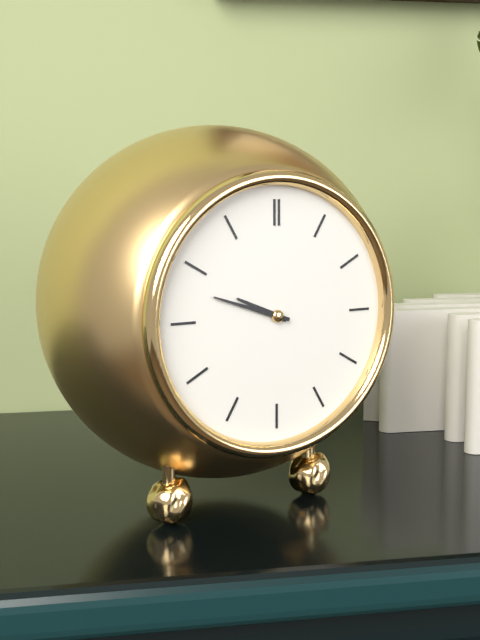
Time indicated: 9:48
